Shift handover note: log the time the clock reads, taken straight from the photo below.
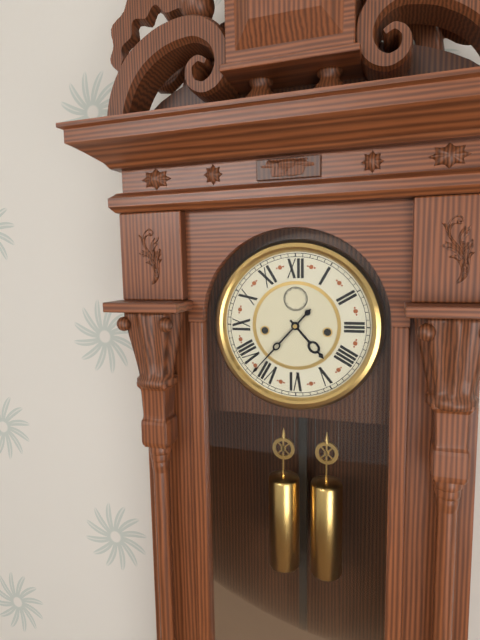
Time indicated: 4:37
